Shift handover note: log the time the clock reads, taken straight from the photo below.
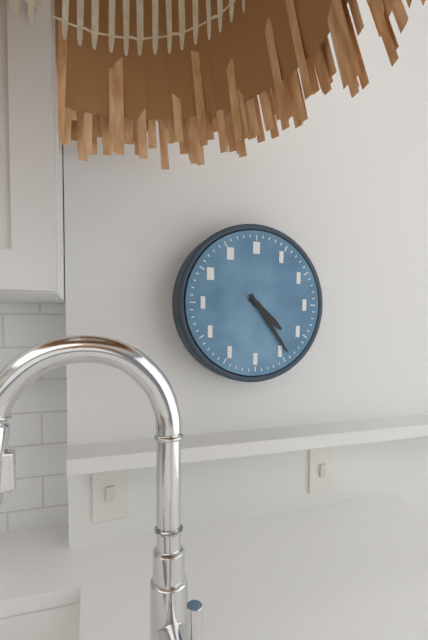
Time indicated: 4:24
